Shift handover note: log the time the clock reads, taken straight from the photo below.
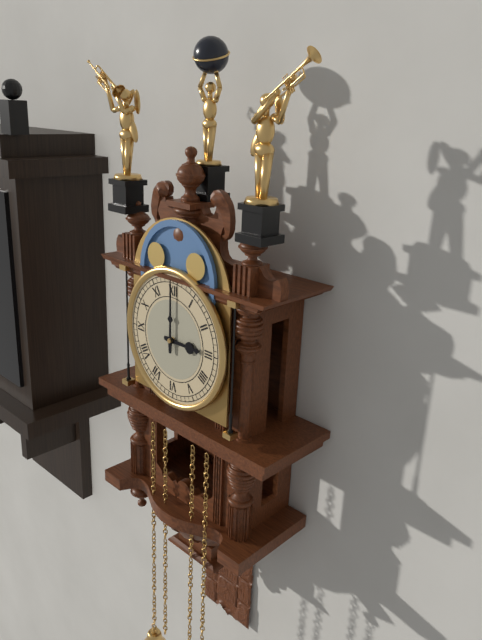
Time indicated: 3:00
